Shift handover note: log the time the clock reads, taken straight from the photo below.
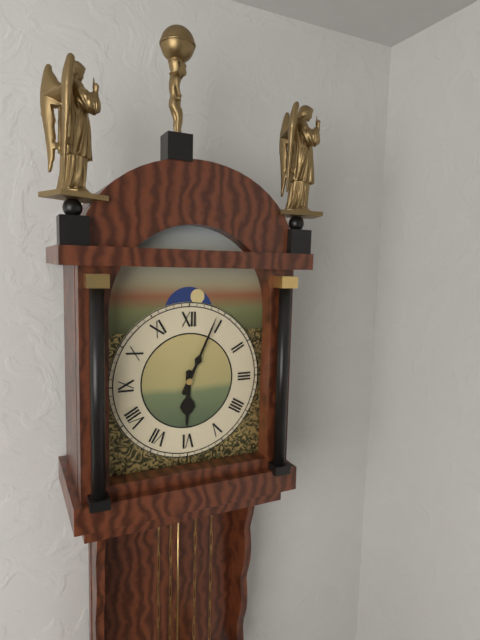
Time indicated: 6:04
